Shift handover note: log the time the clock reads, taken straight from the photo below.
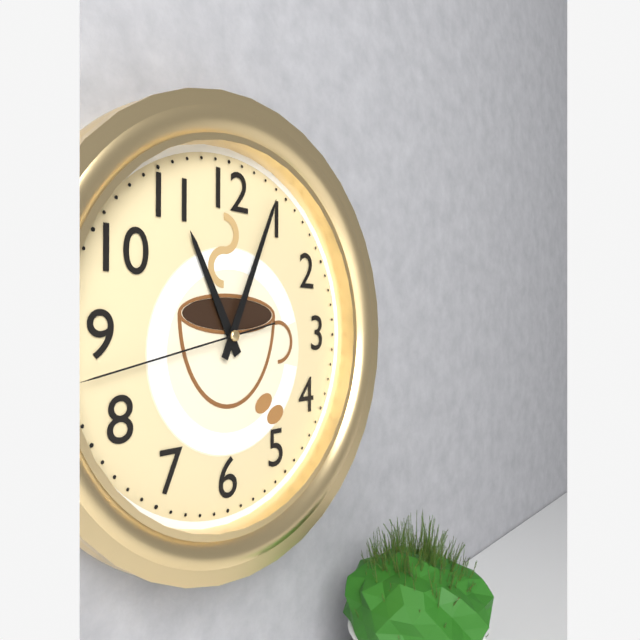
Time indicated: 11:04:43
